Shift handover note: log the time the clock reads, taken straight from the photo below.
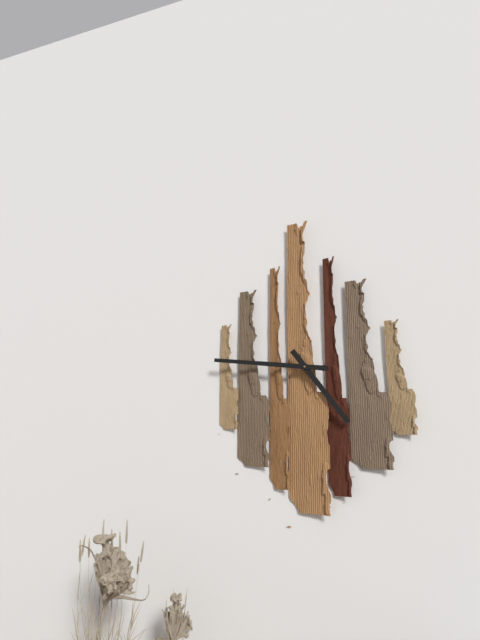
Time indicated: 4:46
